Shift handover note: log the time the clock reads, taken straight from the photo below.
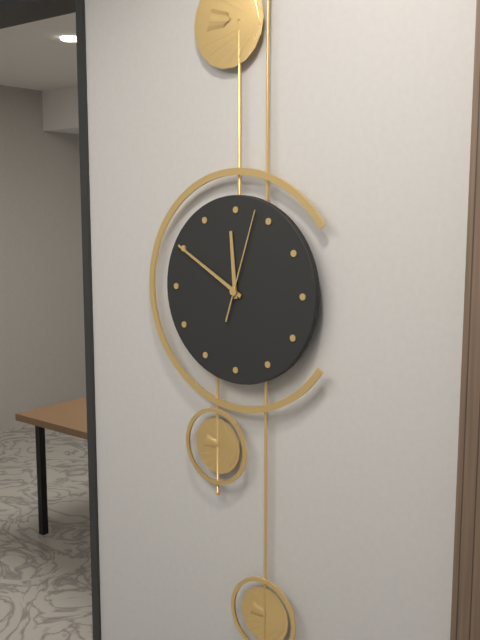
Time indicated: 11:50:03
